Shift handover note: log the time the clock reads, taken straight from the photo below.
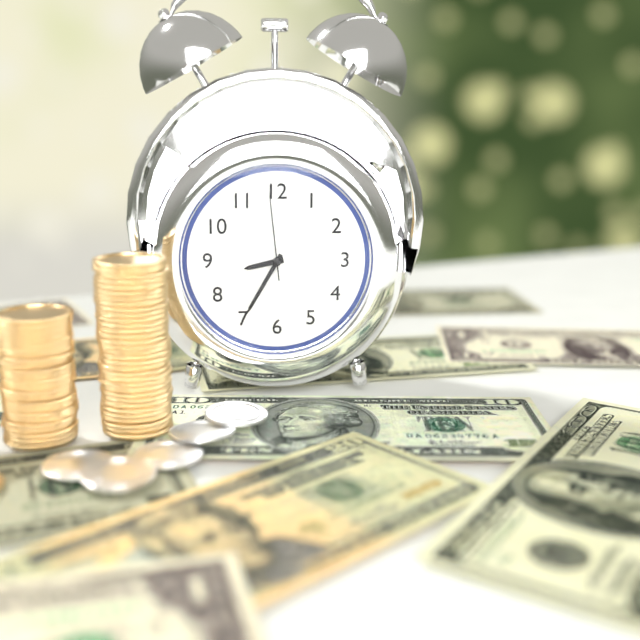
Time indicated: 8:35:59
